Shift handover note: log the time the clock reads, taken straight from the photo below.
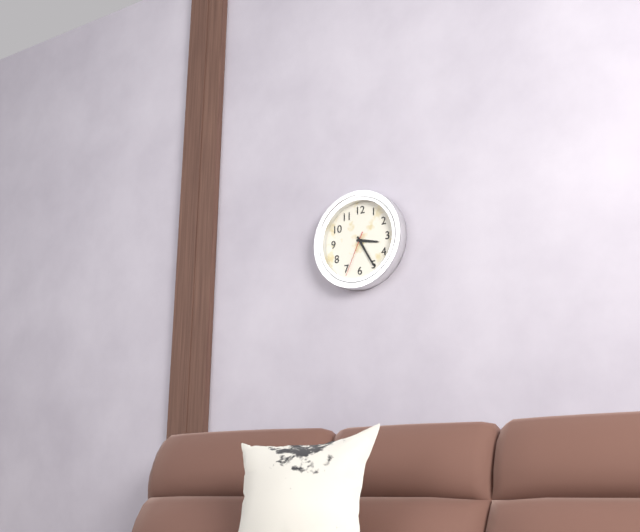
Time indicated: 3:25
